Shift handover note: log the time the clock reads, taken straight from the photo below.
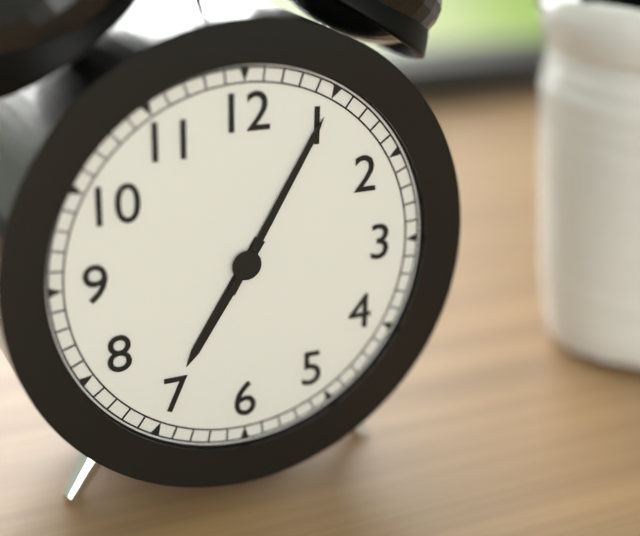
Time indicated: 7:05
